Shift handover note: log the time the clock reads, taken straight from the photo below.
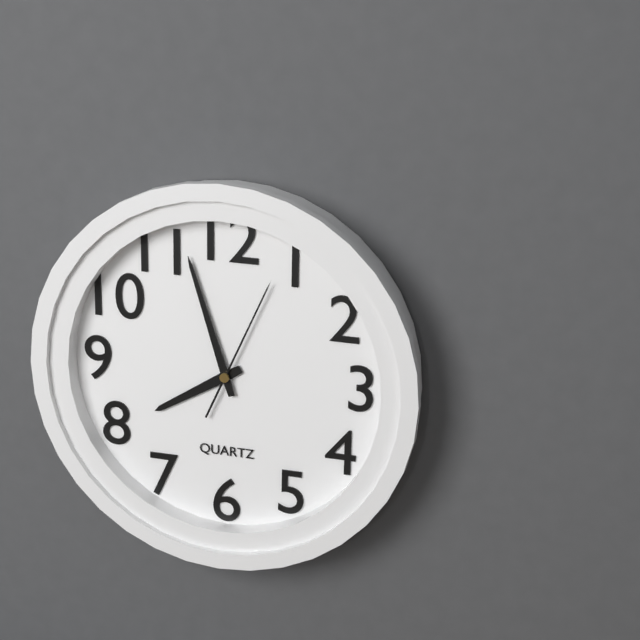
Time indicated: 7:57:04
